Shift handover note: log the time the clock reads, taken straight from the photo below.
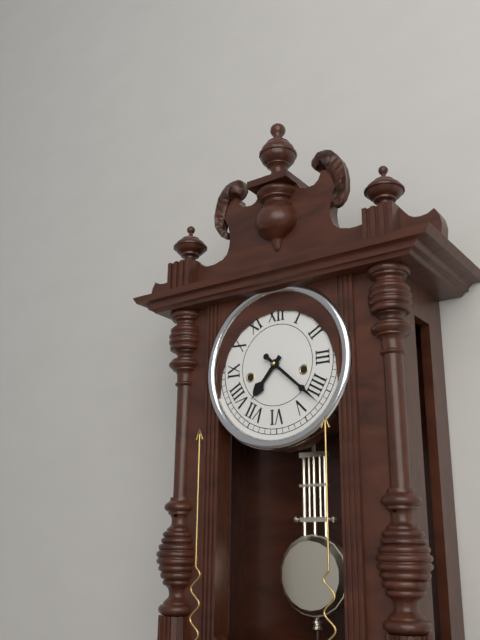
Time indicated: 7:22
